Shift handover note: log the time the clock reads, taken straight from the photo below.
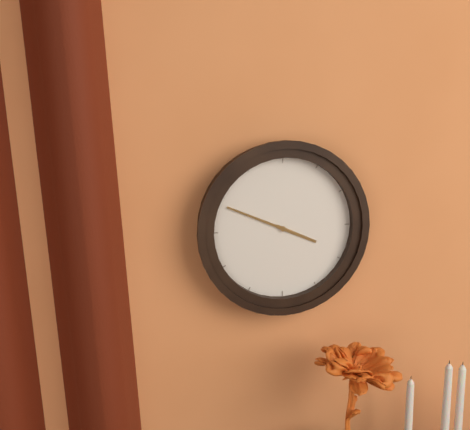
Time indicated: 3:49
